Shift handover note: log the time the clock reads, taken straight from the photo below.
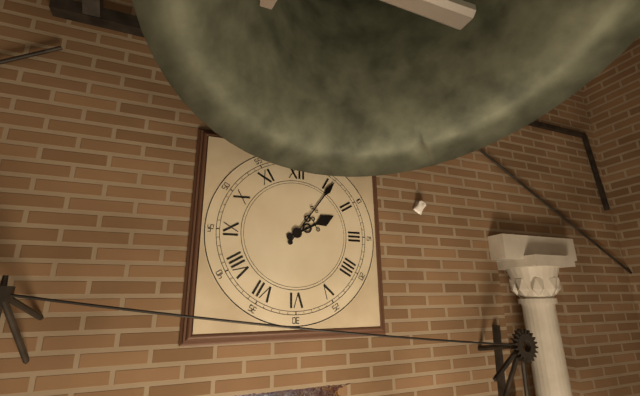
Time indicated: 2:06
